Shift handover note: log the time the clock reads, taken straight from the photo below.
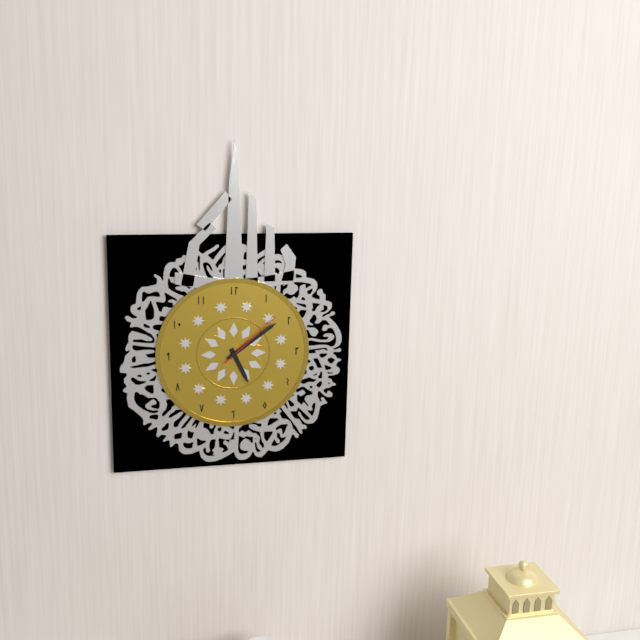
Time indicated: 5:09:08
